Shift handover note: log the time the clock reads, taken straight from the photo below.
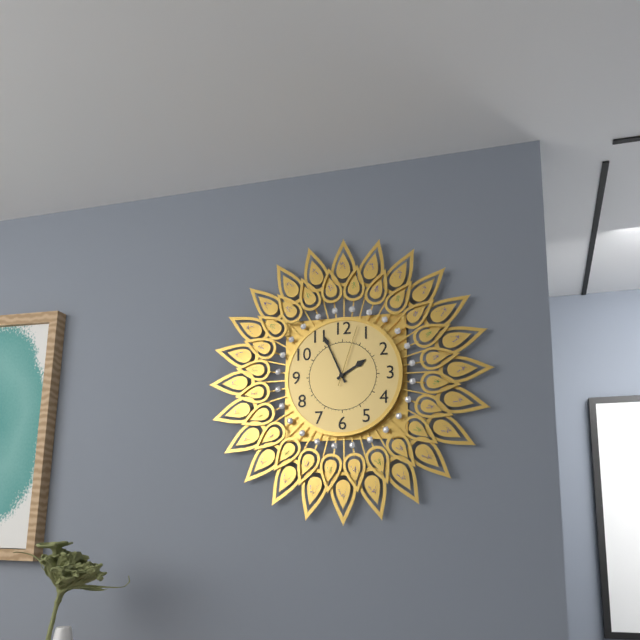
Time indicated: 1:56:03
